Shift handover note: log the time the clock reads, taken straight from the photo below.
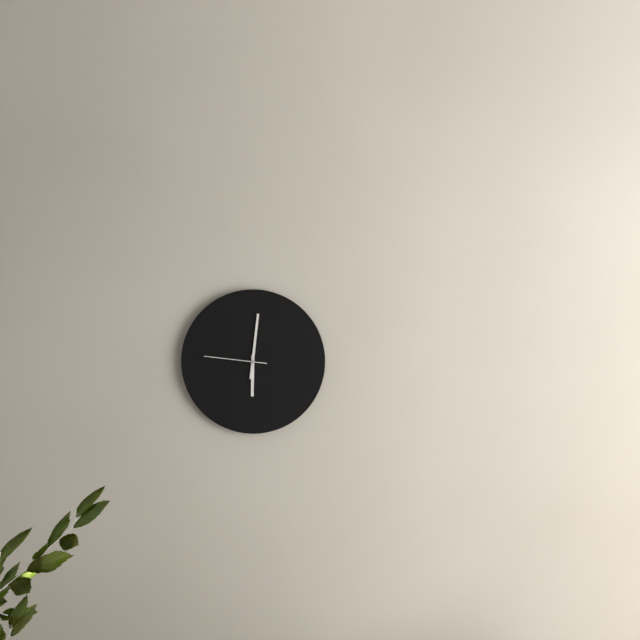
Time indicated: 6:01:46
